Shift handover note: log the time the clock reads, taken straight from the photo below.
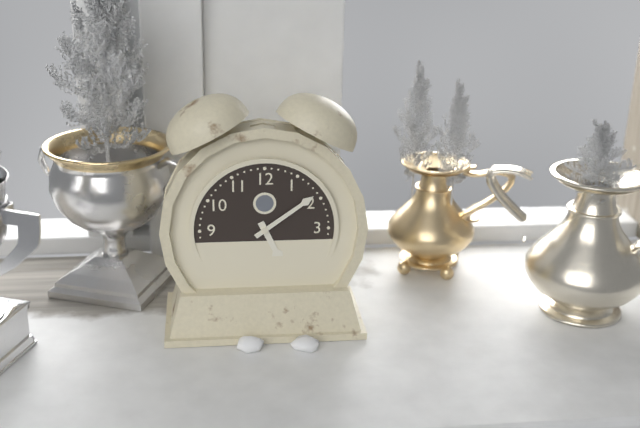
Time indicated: 5:09
